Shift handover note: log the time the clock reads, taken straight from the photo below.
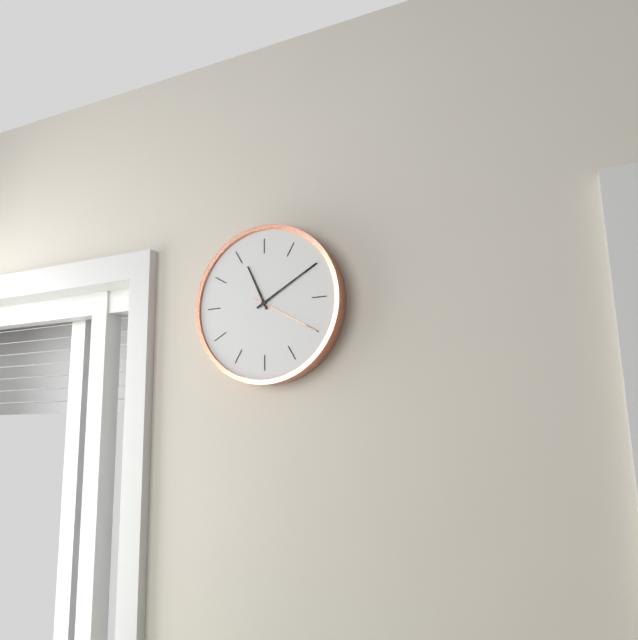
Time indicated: 11:10:20
